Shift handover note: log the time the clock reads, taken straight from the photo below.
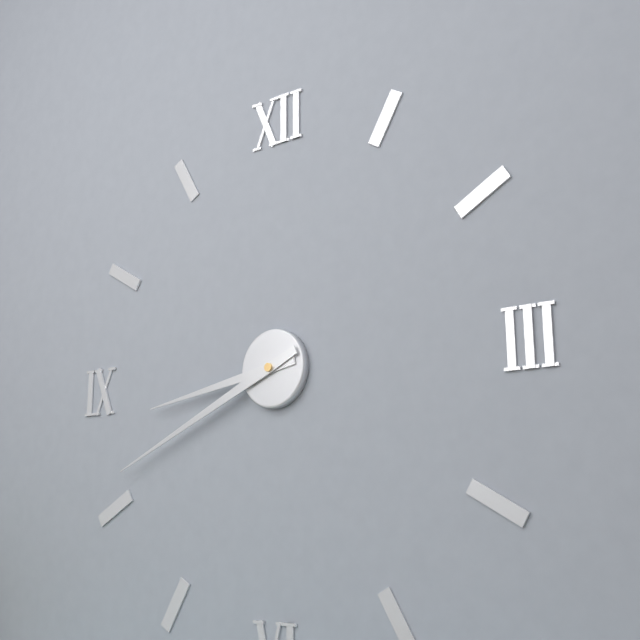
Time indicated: 8:41
